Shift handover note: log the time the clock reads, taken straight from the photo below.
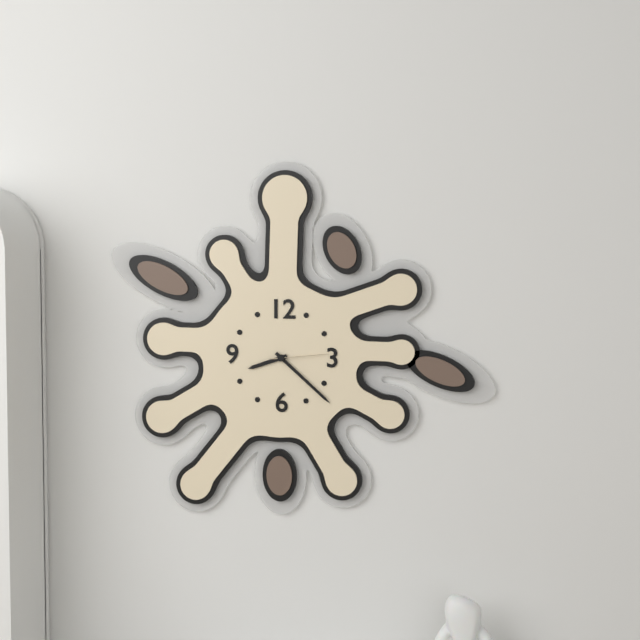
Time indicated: 8:22:14
